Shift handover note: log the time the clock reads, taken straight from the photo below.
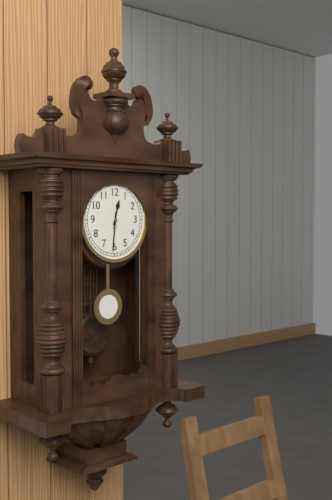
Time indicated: 12:31
